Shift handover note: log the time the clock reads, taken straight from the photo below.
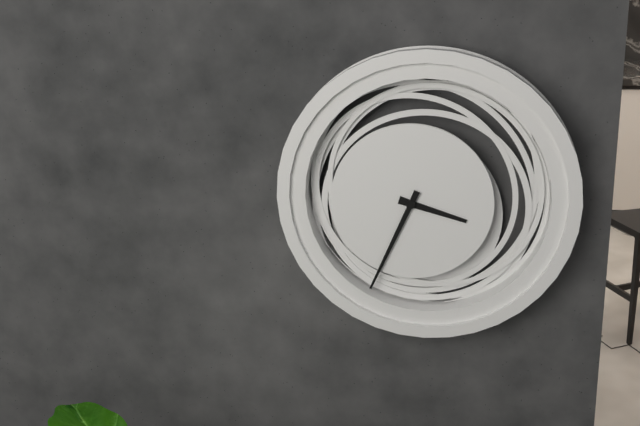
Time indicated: 3:34
